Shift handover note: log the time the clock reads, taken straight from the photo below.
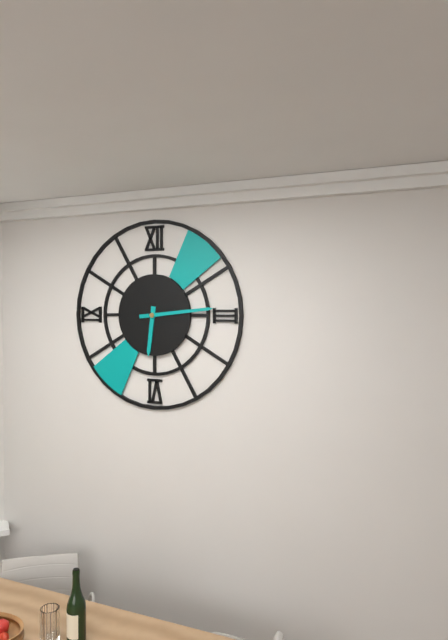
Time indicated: 6:14
